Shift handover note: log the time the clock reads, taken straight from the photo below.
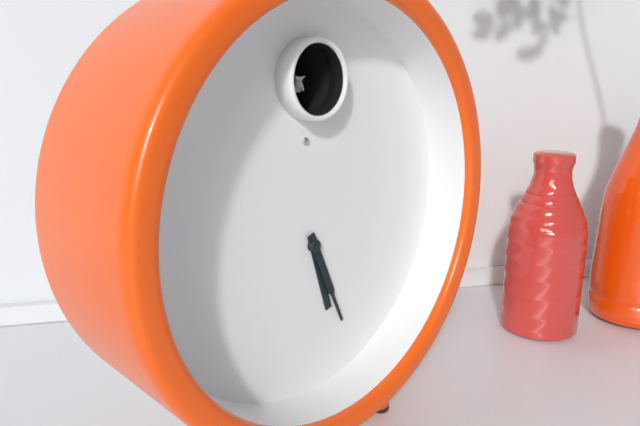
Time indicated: 5:26
